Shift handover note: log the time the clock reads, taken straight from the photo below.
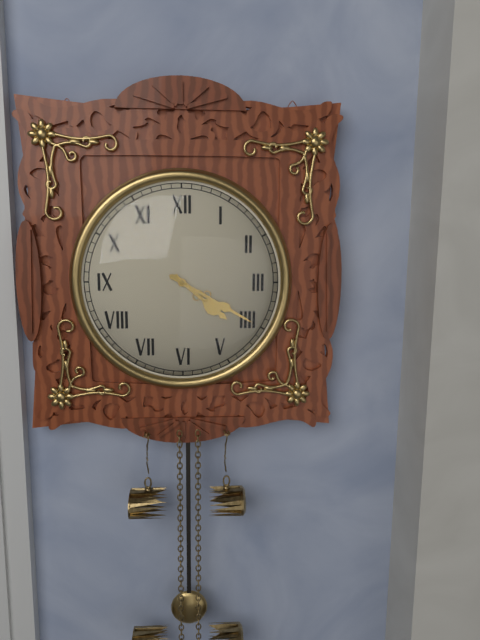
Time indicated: 4:20
